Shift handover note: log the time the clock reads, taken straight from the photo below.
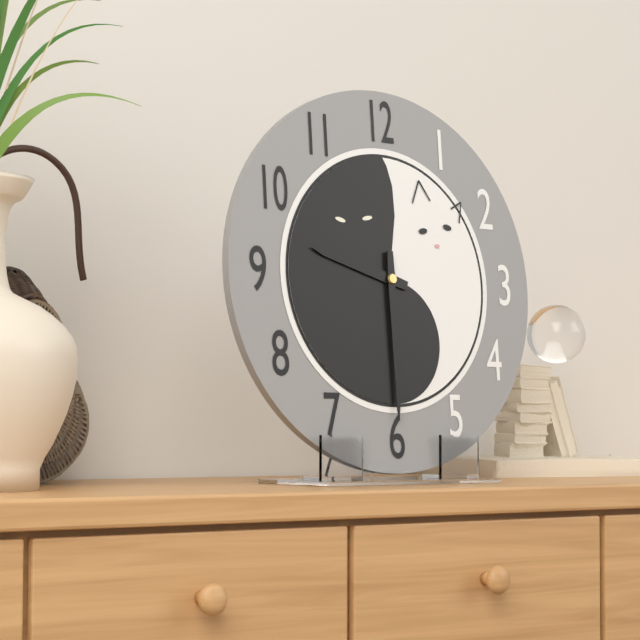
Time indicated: 9:30
